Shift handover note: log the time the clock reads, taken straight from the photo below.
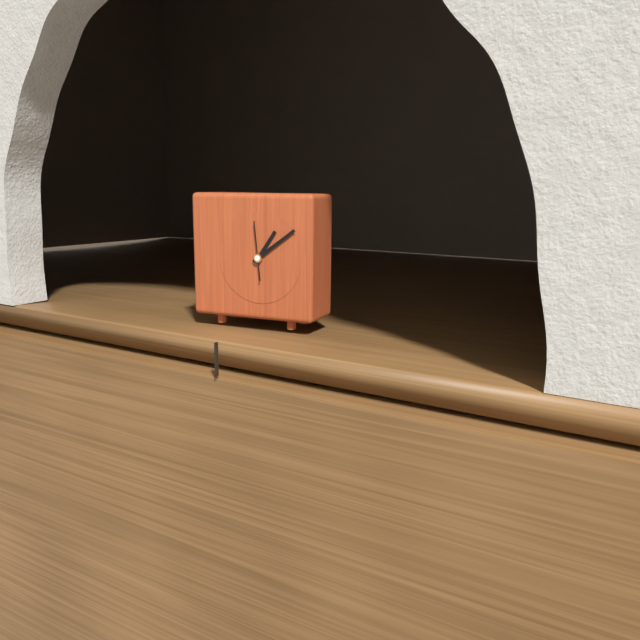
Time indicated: 1:09
